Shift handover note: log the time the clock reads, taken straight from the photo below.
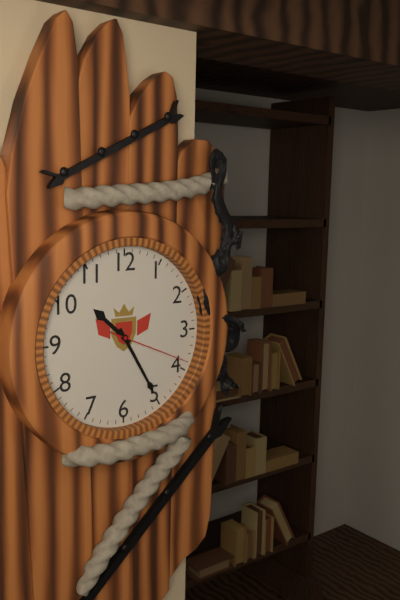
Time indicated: 10:25:19
